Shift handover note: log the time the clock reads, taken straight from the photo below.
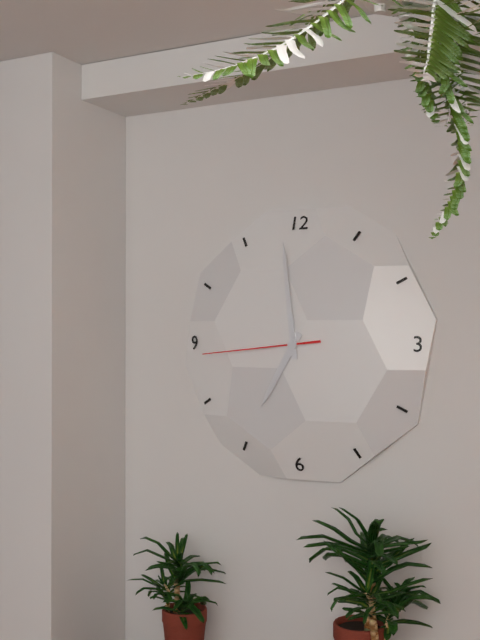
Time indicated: 6:59:44
